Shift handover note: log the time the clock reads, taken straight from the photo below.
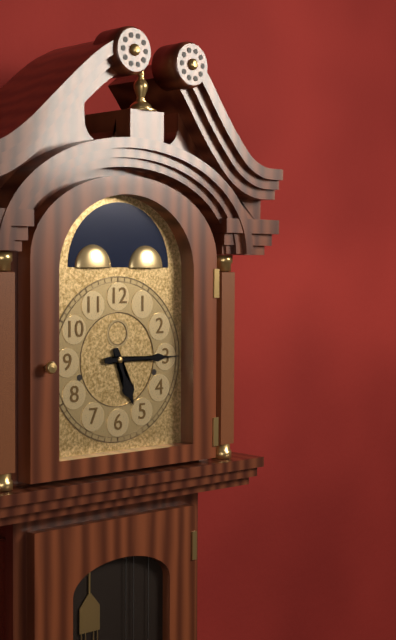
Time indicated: 5:15
